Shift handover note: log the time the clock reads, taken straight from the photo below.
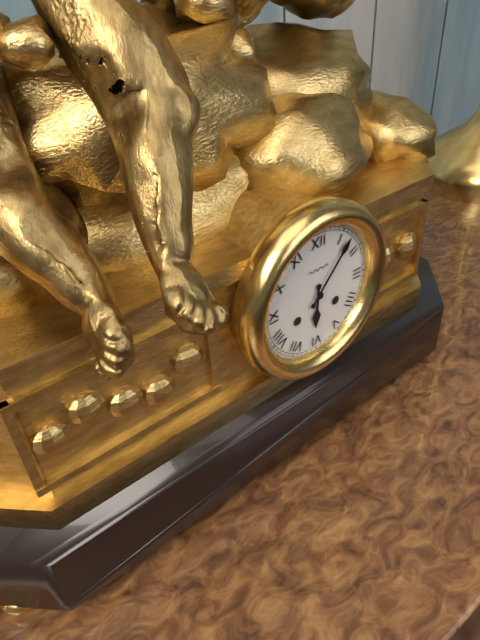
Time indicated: 6:07
